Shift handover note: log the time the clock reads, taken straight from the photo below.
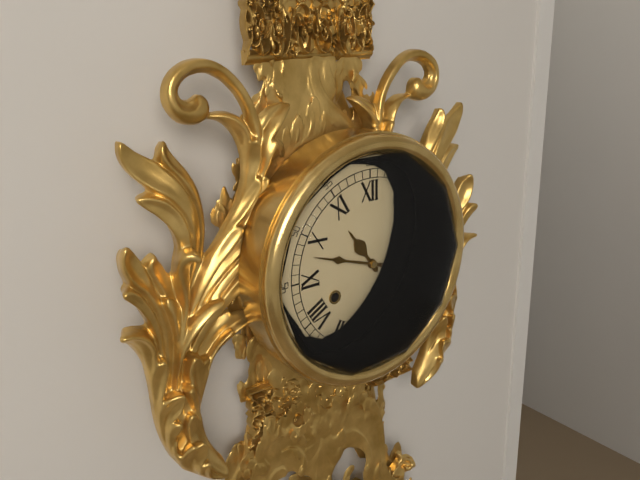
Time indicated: 10:48
